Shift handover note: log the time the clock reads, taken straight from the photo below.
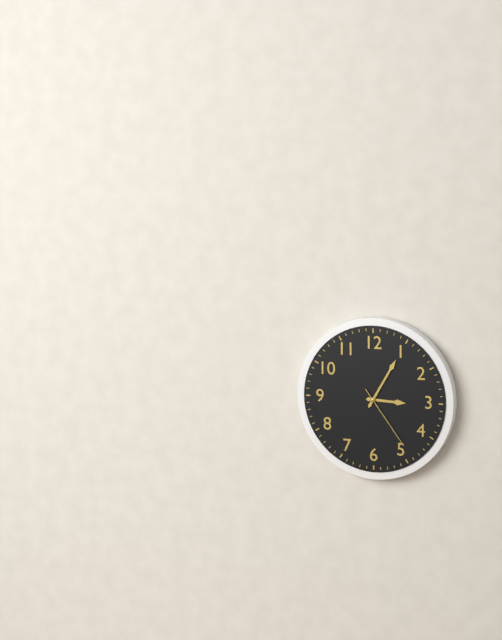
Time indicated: 3:05:24
